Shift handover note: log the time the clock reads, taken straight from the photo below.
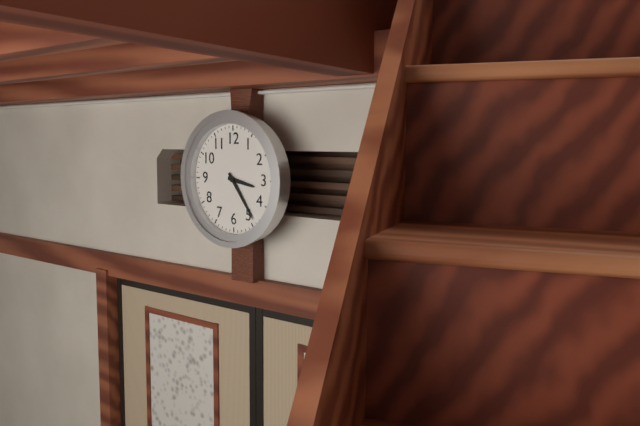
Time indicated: 3:24
